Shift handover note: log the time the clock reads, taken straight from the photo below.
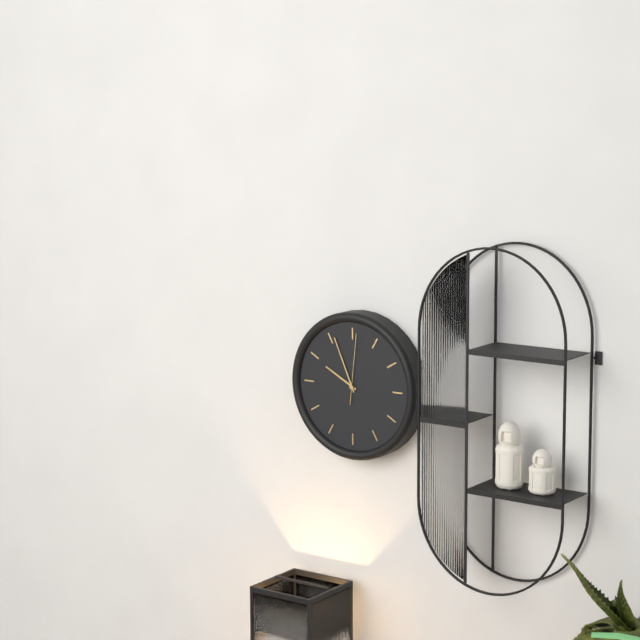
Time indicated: 9:56:01
